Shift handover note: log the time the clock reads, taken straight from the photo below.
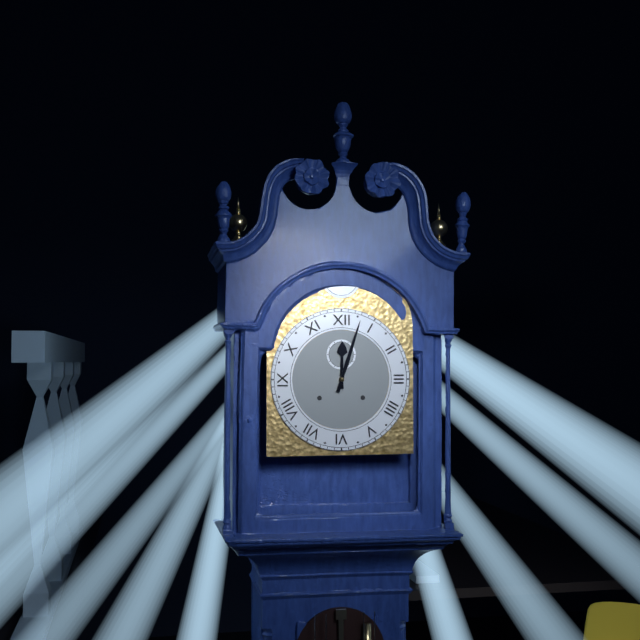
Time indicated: 12:03
